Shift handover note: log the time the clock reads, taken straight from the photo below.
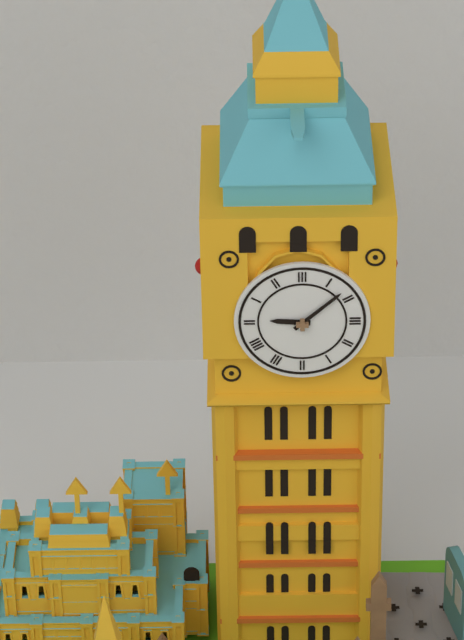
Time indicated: 9:08
